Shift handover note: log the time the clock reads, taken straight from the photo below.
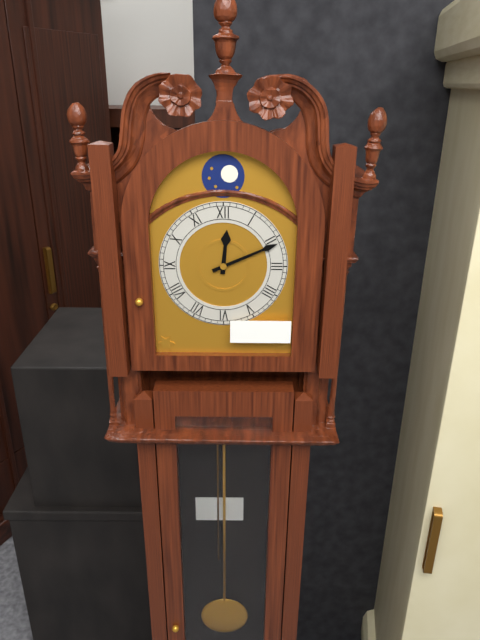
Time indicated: 12:11
